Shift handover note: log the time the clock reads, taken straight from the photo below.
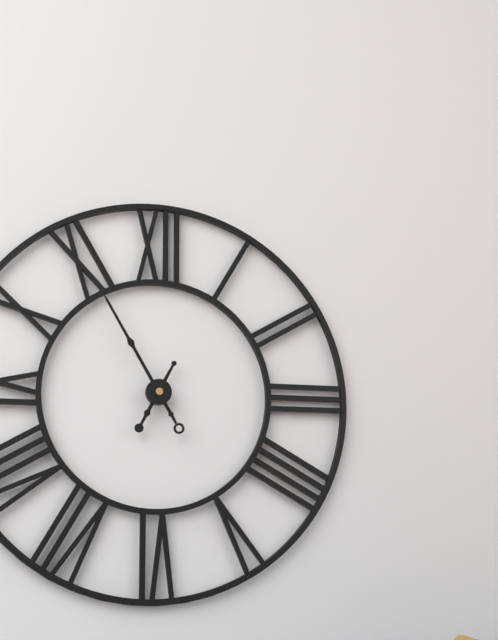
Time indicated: 6:55
